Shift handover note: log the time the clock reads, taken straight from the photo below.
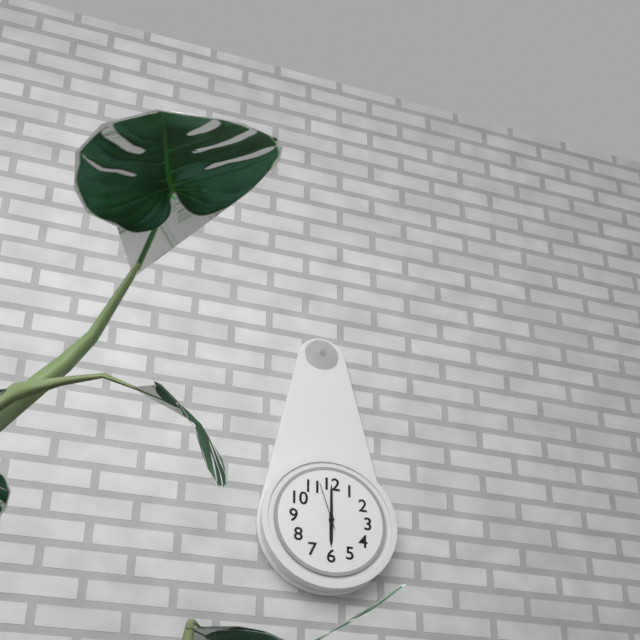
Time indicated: 6:00
